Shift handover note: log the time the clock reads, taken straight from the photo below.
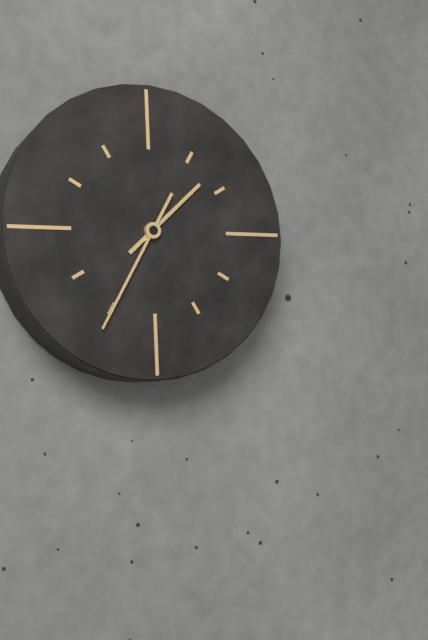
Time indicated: 1:35
